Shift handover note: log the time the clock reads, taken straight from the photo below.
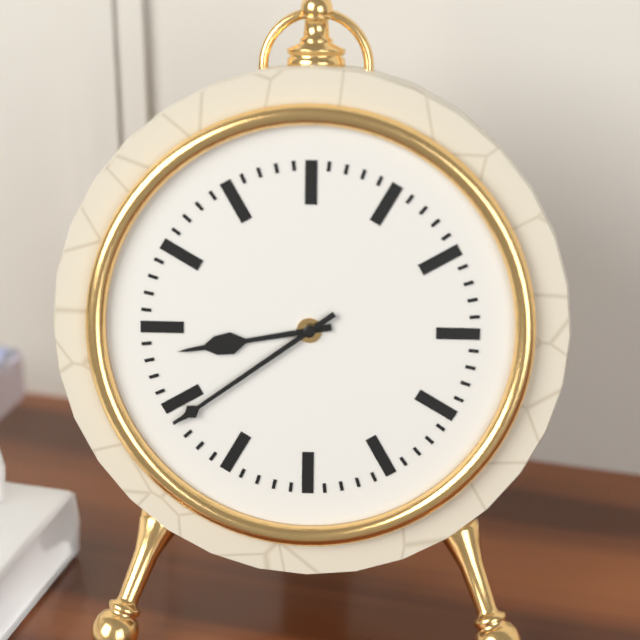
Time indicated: 8:39
